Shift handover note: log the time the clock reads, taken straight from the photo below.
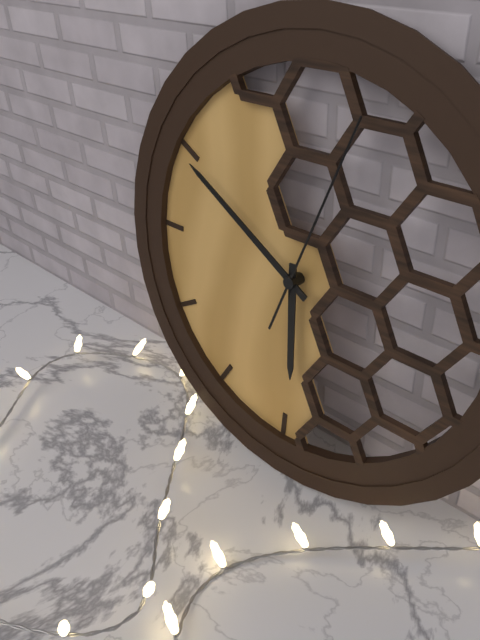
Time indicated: 5:50:03
